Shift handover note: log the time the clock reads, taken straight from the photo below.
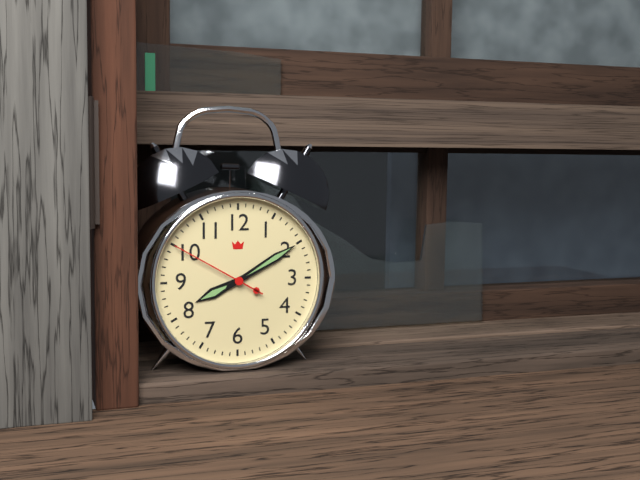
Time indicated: 8:10:50
